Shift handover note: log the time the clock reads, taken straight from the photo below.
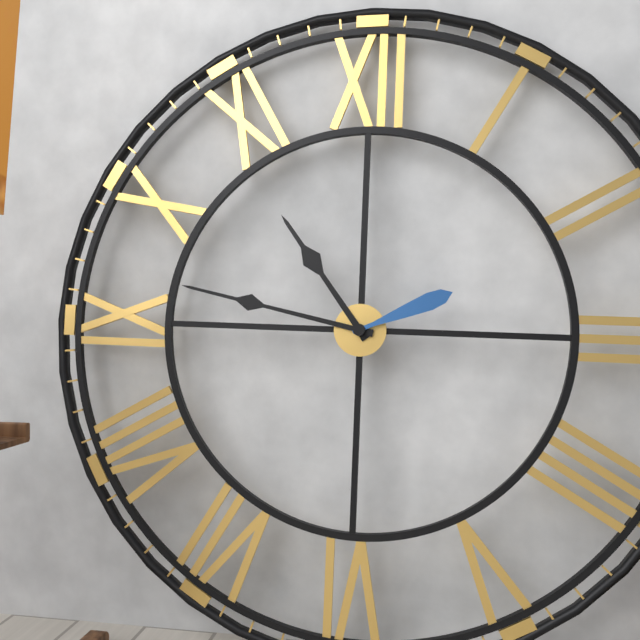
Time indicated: 10:47:11
